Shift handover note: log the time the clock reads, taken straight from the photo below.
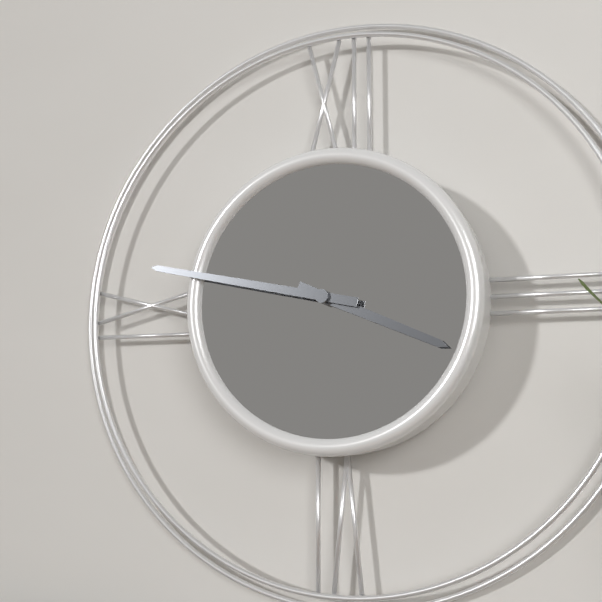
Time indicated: 3:47
